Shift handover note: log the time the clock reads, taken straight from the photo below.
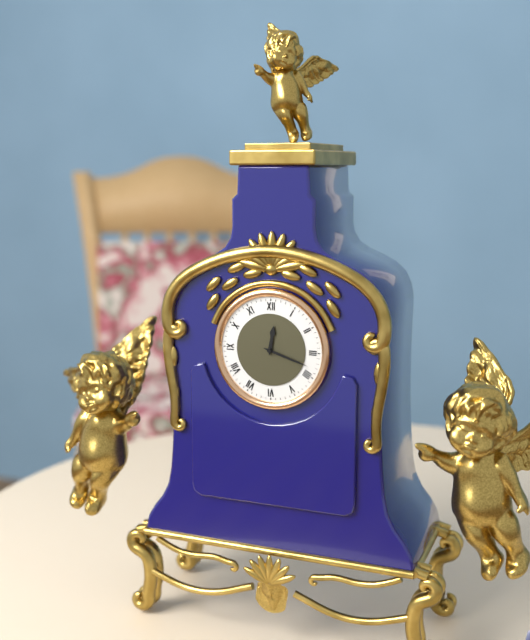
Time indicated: 12:18
